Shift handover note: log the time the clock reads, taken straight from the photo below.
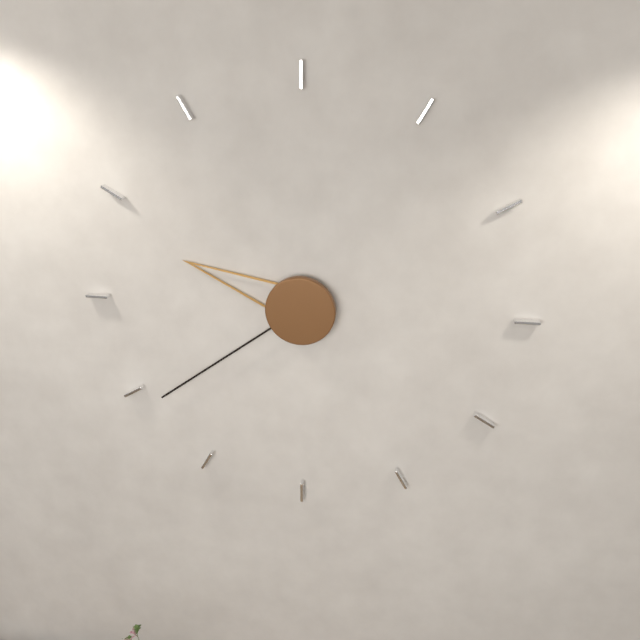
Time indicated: 9:39
